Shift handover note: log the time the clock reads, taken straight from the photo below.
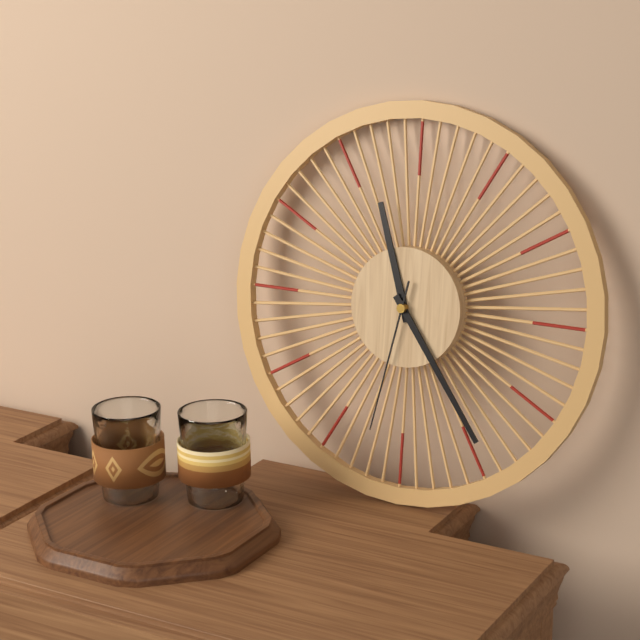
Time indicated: 11:24:32
